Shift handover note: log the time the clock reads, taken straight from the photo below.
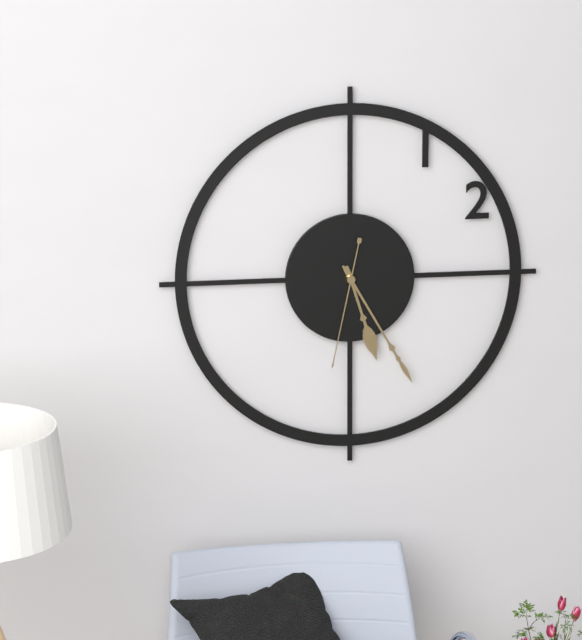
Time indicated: 5:25:32
